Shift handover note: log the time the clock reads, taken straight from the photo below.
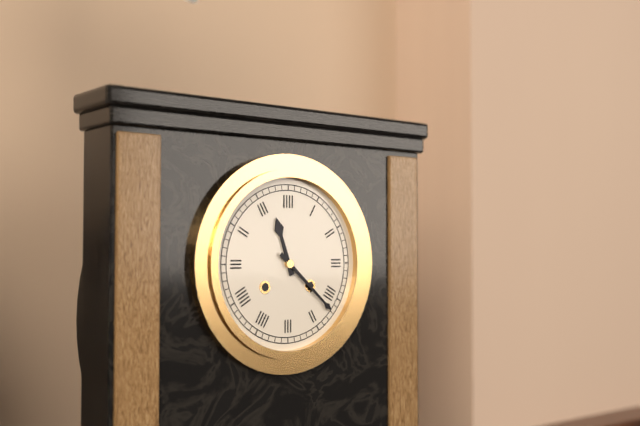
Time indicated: 11:22
